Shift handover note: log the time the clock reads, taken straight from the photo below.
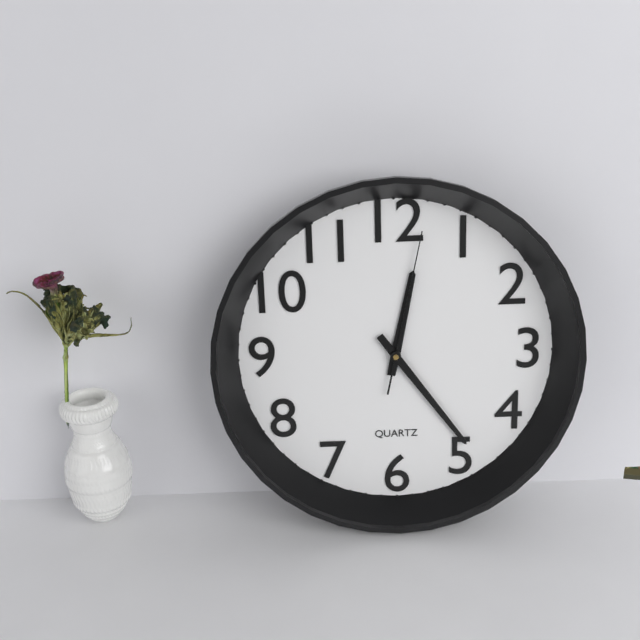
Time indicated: 12:24:02
